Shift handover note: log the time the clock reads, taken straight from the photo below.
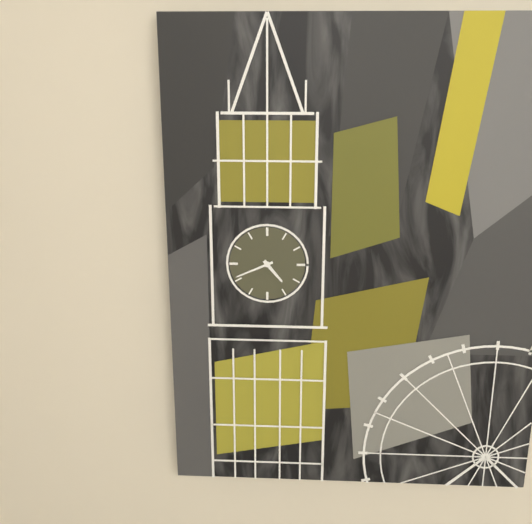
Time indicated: 4:41
